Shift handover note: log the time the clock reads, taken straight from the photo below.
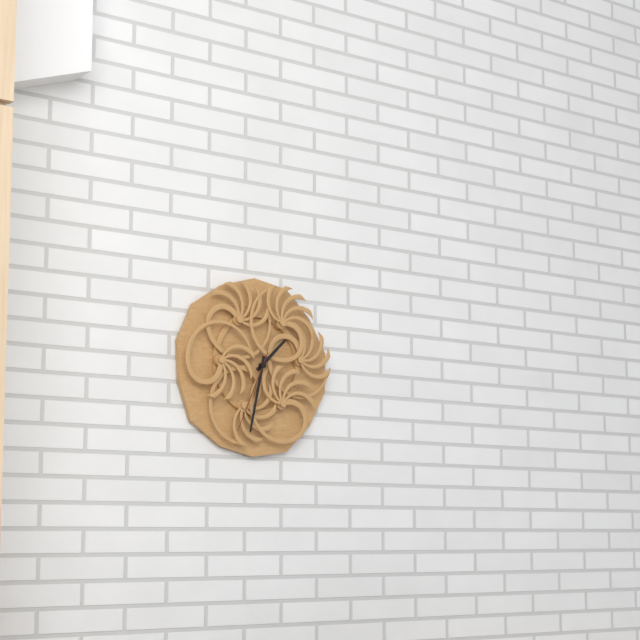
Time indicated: 1:32:34
